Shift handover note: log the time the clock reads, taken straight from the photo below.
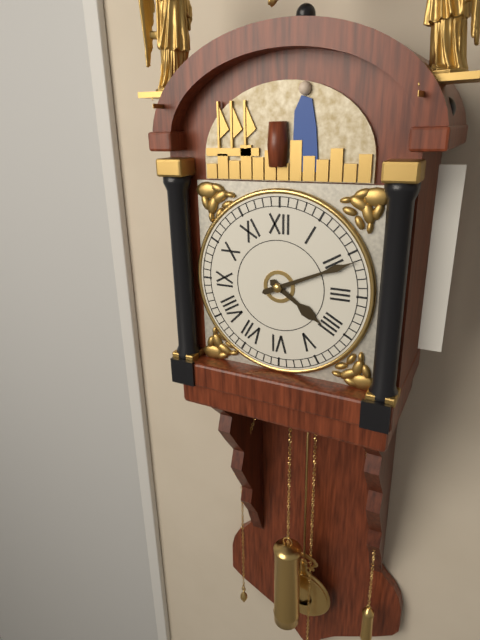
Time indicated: 4:11
